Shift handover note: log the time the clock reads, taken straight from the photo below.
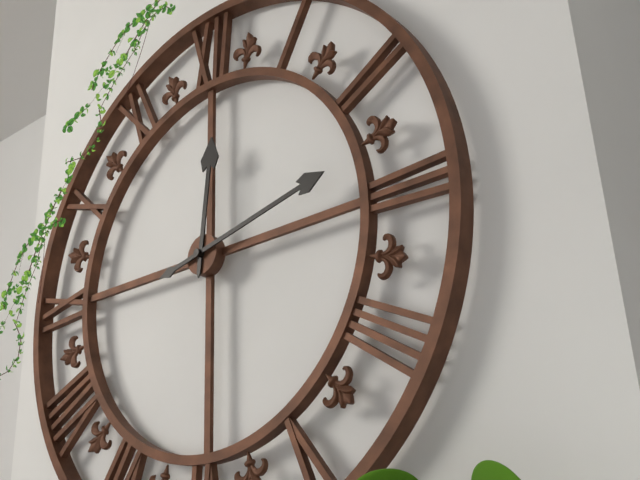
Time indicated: 12:13
